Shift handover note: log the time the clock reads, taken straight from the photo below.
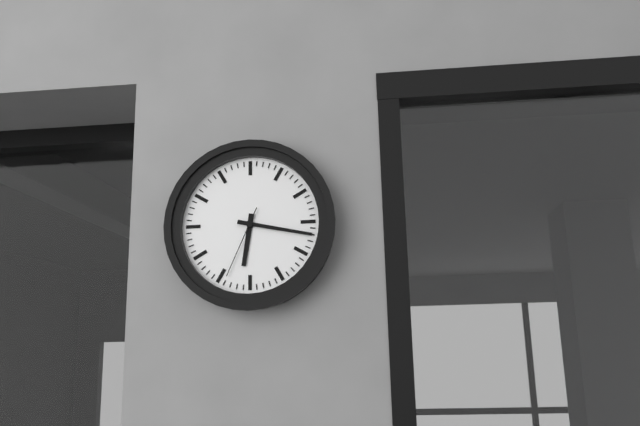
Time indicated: 6:17:34
